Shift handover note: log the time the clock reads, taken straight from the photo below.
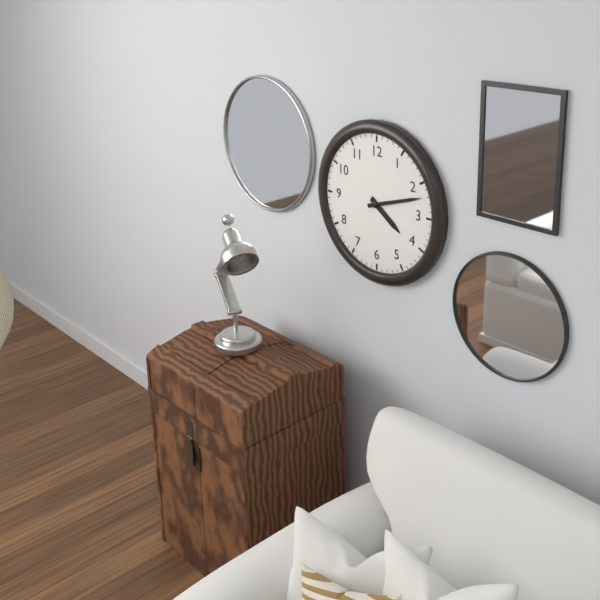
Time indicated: 4:12
